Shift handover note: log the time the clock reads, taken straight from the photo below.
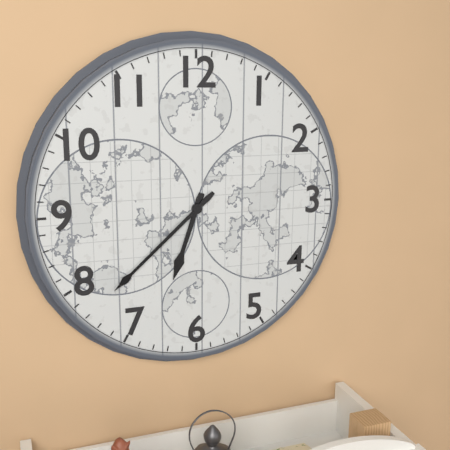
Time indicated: 6:38
